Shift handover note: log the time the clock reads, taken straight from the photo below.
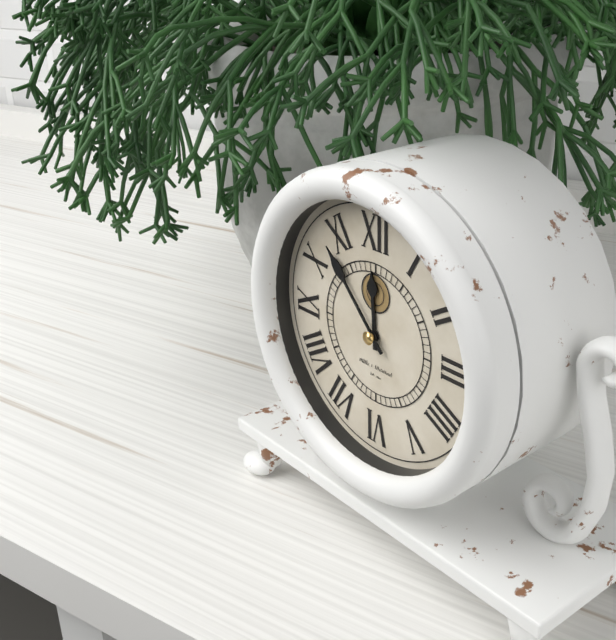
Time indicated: 11:53
